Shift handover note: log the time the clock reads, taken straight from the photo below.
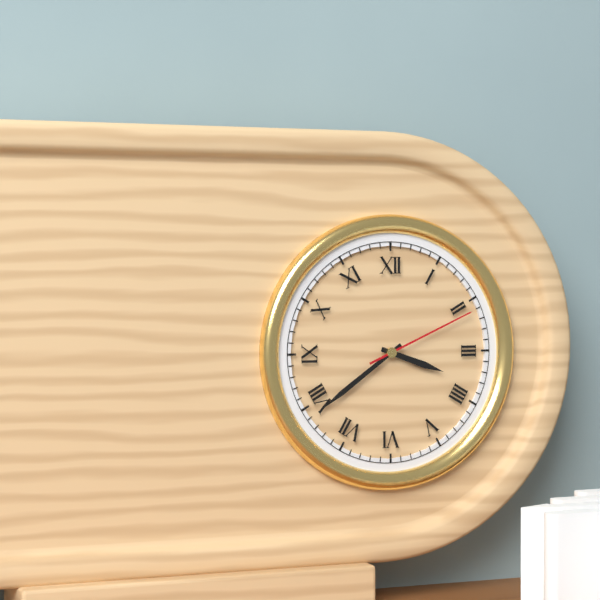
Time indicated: 3:39:11
